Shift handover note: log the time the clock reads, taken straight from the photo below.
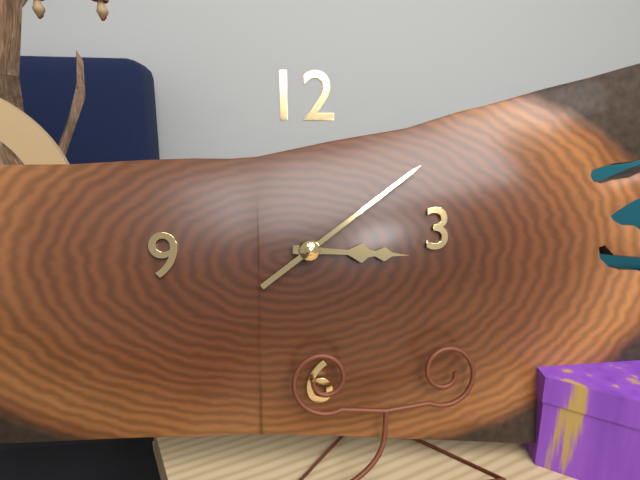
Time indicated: 3:09
